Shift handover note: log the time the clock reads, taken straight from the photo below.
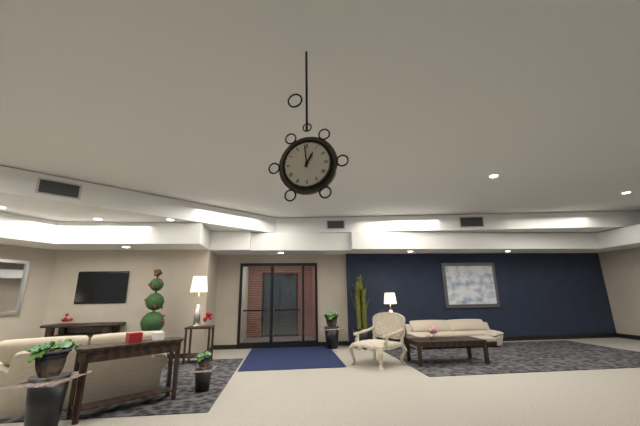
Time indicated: 12:59
